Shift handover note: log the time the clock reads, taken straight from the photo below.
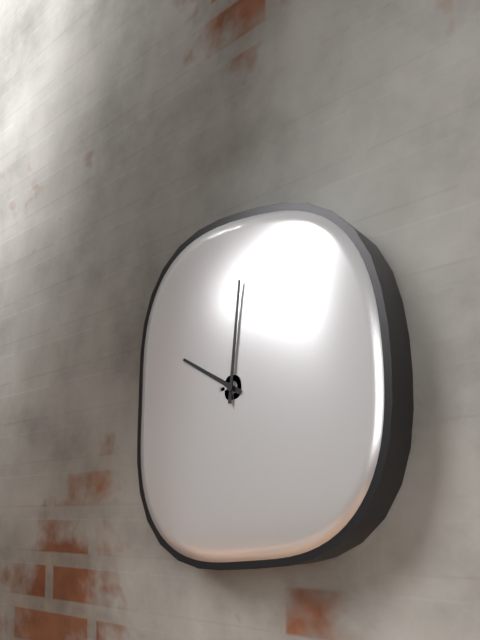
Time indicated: 10:01
